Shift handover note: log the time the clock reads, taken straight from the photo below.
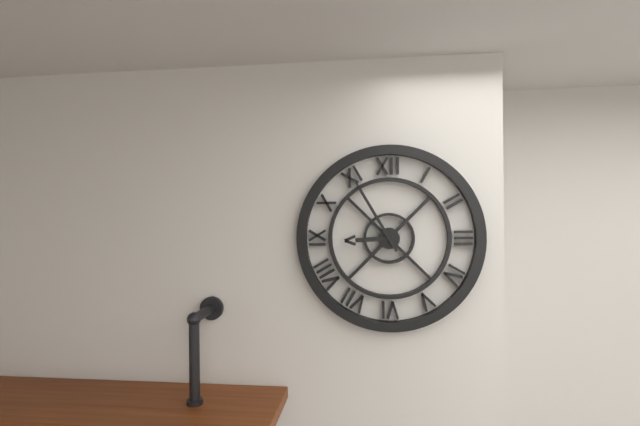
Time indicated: 8:55
